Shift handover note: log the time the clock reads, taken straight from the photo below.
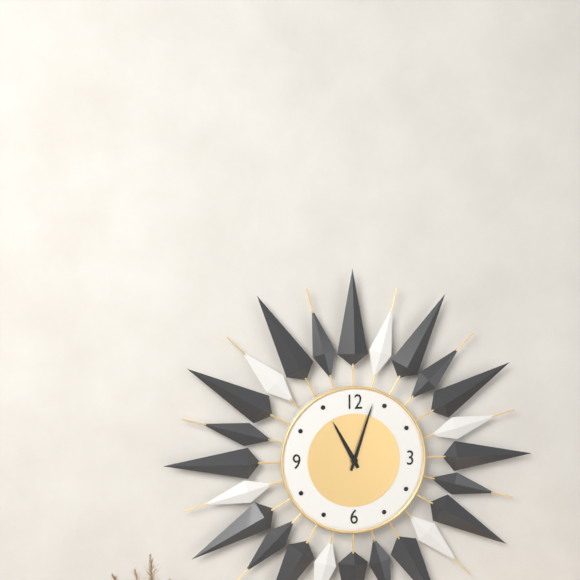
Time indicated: 11:03
